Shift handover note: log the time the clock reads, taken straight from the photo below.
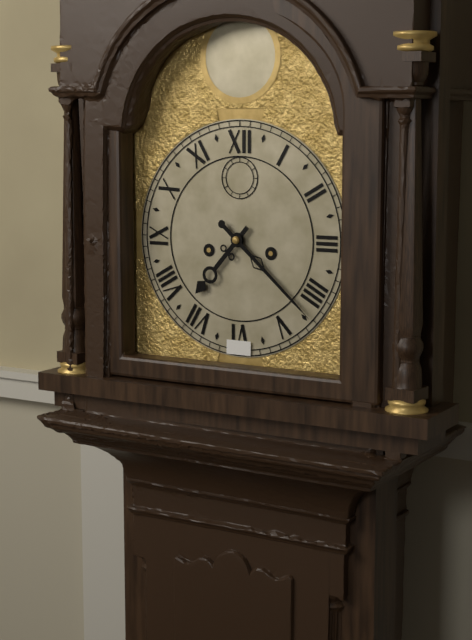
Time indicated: 7:22
